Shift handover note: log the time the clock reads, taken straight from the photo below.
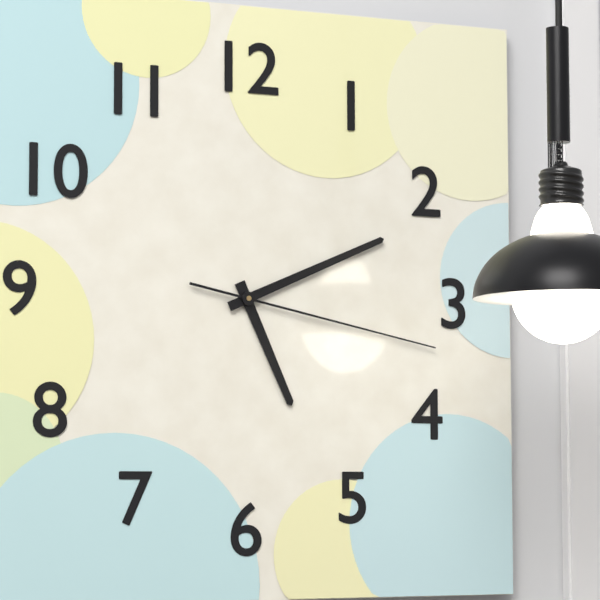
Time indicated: 5:11:17
